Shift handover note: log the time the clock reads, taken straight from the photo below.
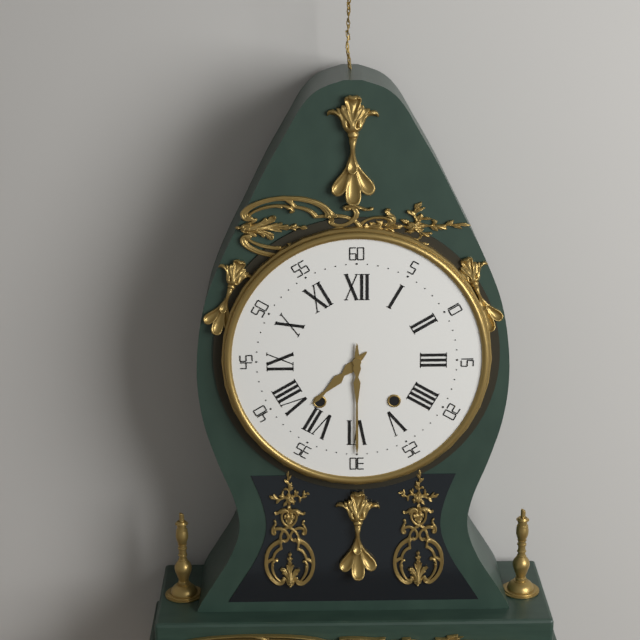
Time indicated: 7:30
